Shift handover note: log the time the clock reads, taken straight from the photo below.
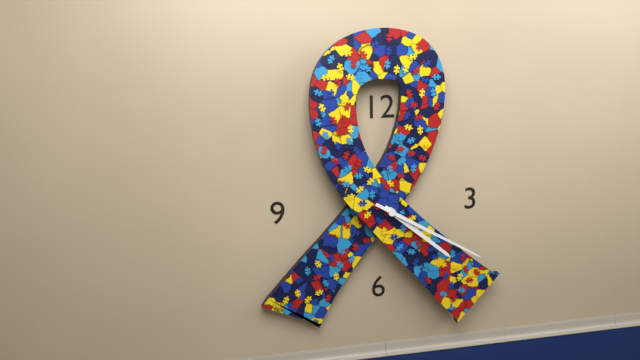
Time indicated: 4:20
